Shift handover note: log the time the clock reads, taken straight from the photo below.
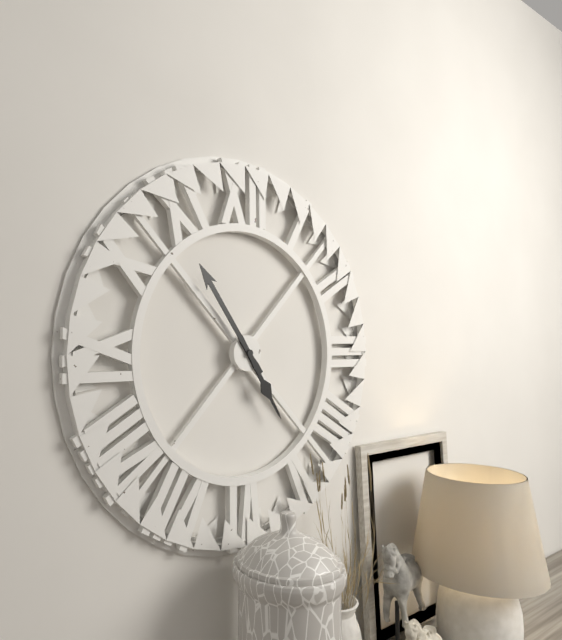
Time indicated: 4:54
